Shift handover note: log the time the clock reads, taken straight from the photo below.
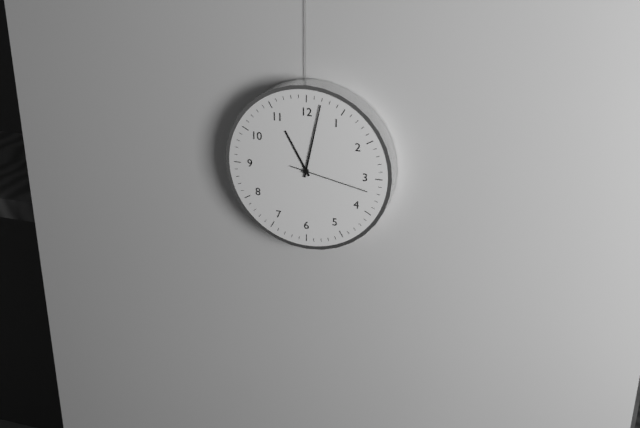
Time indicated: 11:02:17
